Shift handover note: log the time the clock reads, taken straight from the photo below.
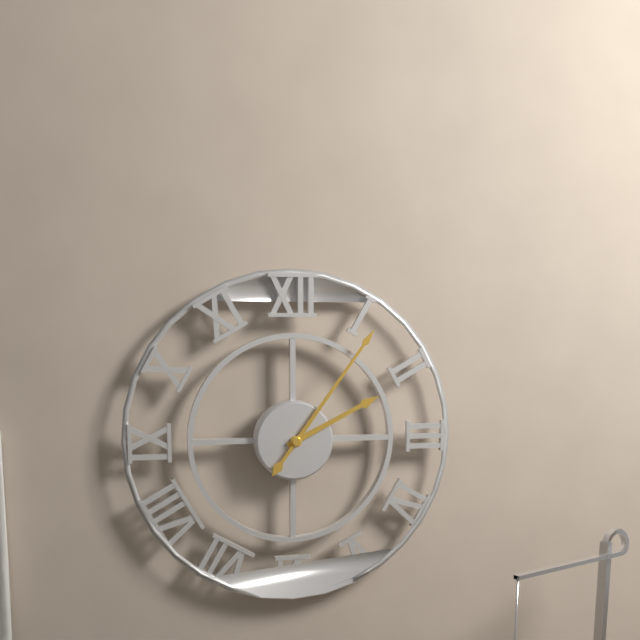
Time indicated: 2:06
